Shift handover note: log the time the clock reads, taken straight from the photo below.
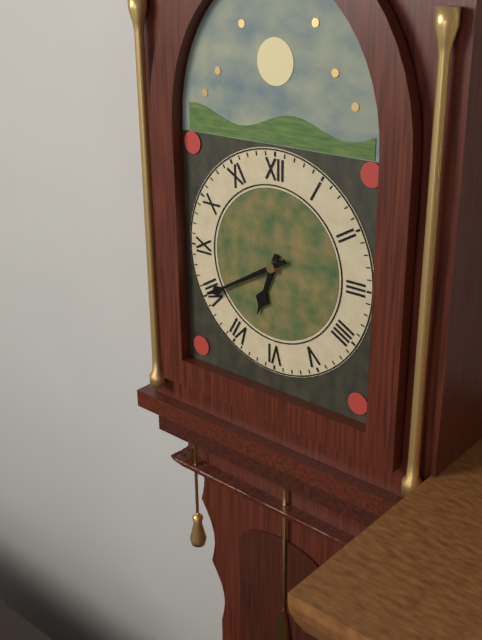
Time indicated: 6:40
